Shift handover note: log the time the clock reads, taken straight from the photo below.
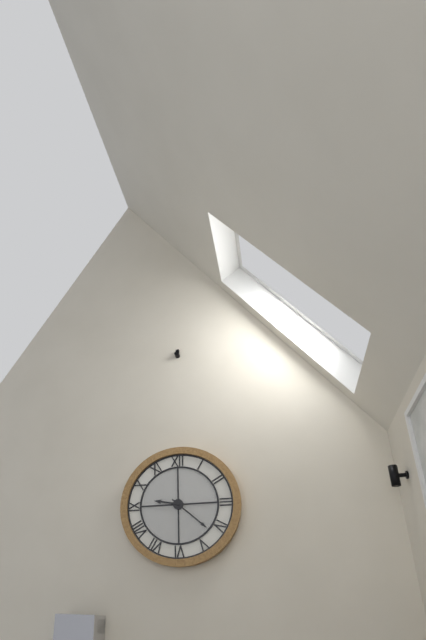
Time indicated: 9:22
